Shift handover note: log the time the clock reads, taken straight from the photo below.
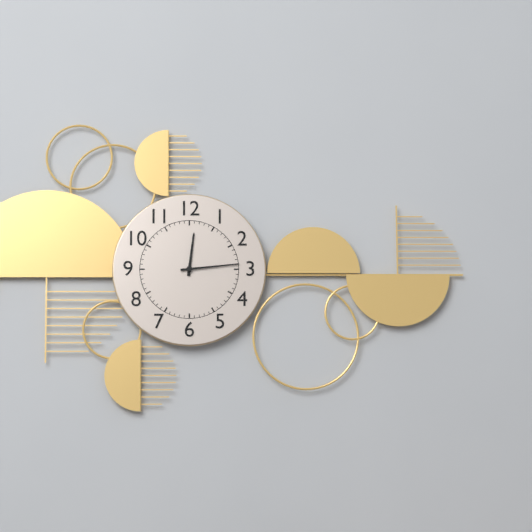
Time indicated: 12:14
